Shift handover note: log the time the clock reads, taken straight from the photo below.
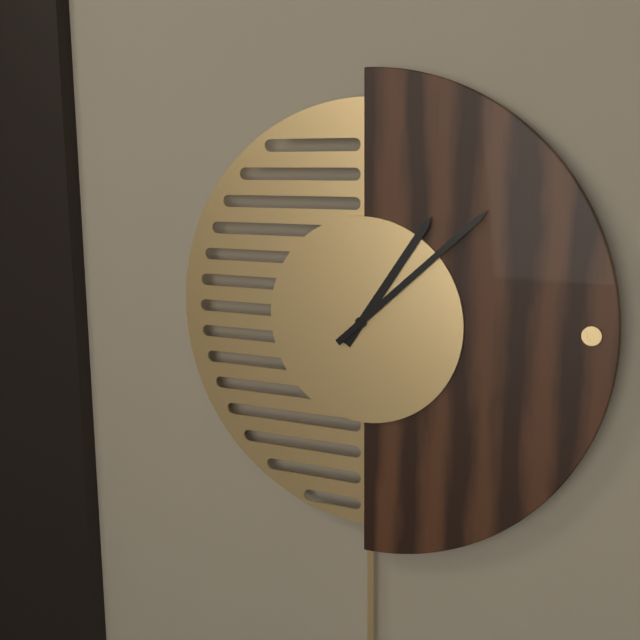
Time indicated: 1:08
